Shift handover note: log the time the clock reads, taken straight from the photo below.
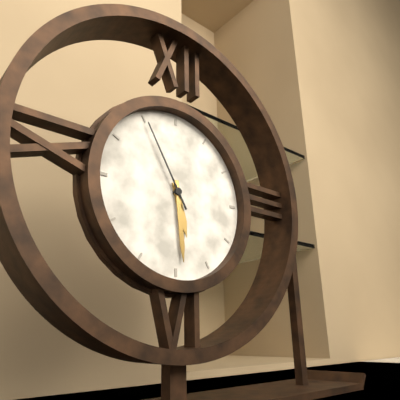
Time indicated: 5:29:55
